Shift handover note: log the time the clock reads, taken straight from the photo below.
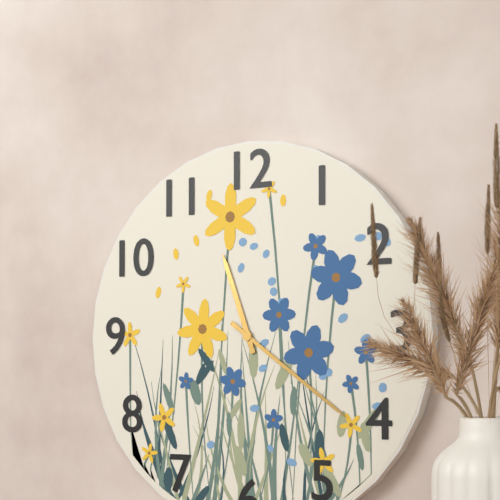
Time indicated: 11:21
